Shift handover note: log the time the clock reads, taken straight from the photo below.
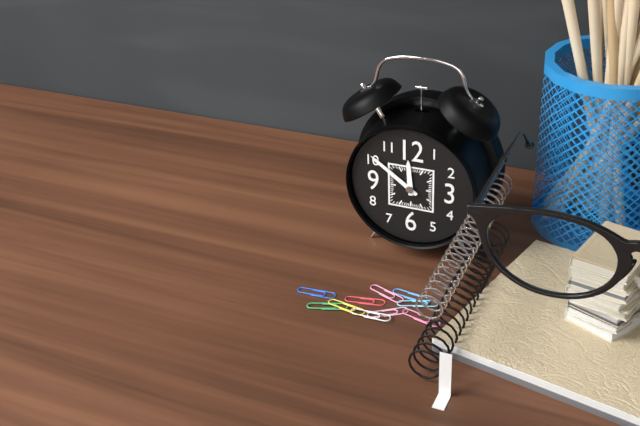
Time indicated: 11:51
